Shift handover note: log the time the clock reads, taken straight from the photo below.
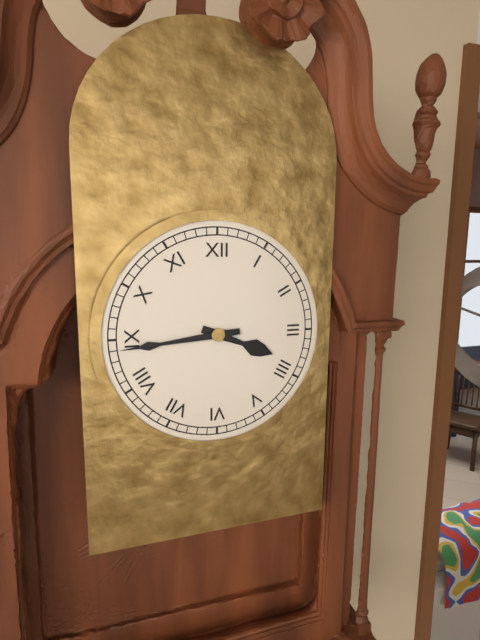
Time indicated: 3:44
